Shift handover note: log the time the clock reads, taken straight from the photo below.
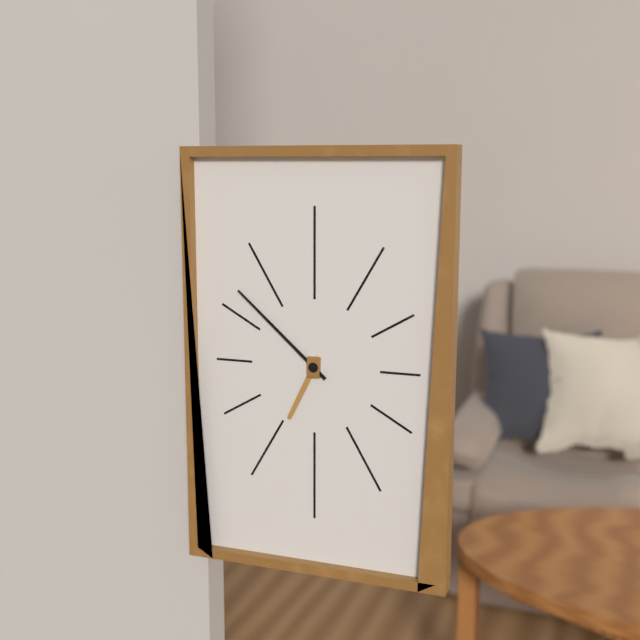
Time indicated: 6:52
